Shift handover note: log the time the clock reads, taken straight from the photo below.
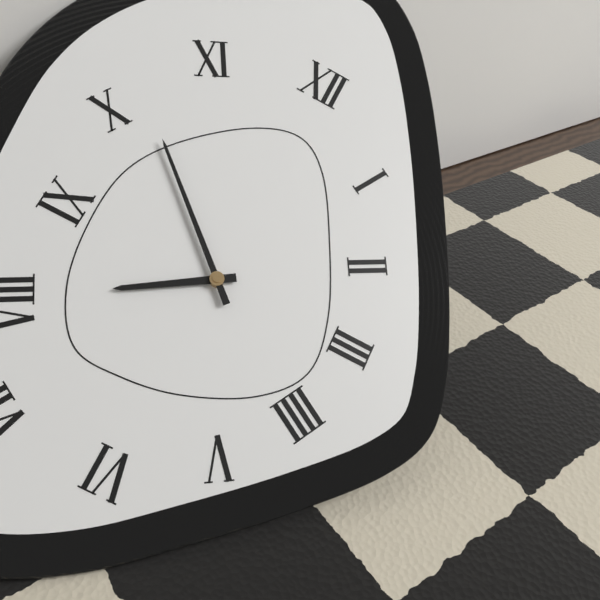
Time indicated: 7:52
